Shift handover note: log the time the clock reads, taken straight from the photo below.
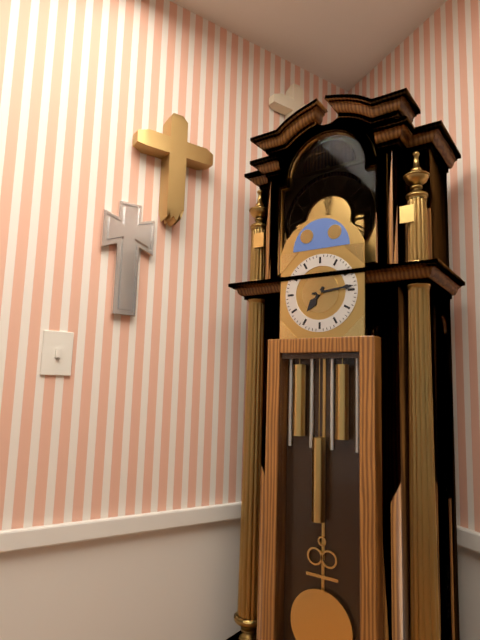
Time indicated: 7:14
